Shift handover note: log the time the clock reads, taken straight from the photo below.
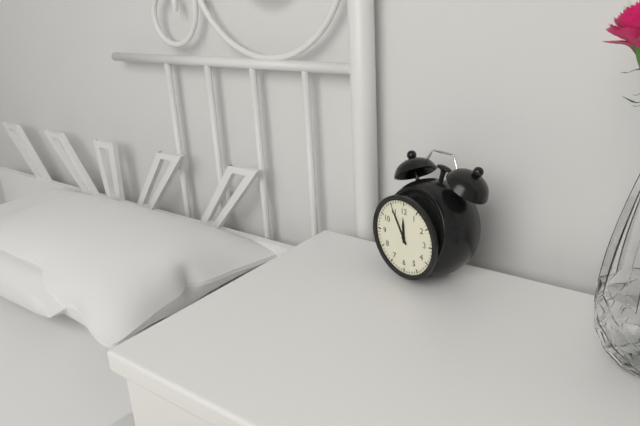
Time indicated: 11:55
